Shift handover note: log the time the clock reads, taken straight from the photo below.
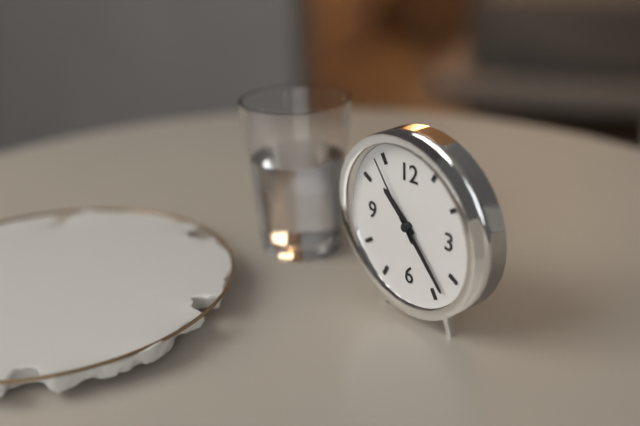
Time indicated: 10:23:54
